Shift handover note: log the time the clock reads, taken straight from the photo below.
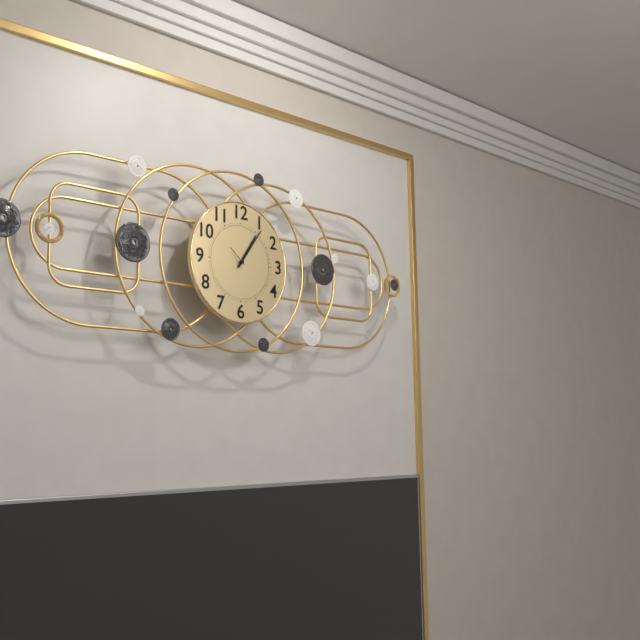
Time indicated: 1:06
